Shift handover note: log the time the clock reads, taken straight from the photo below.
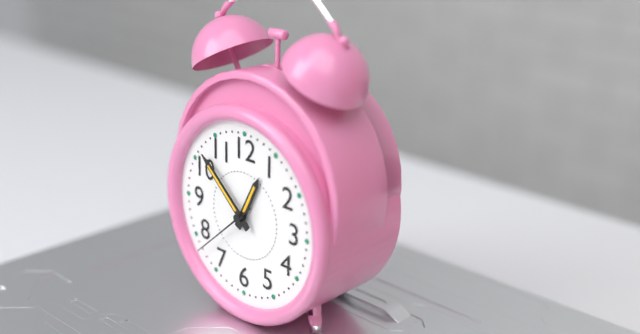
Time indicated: 12:52:38
